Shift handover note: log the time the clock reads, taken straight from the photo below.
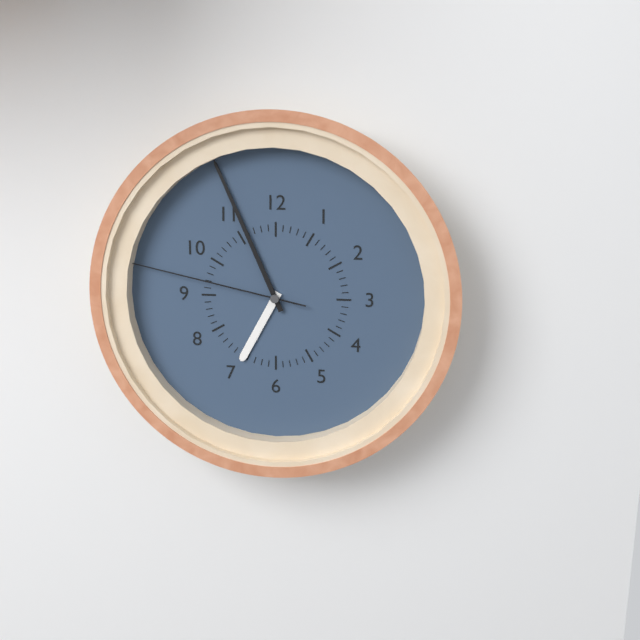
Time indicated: 6:56:47
